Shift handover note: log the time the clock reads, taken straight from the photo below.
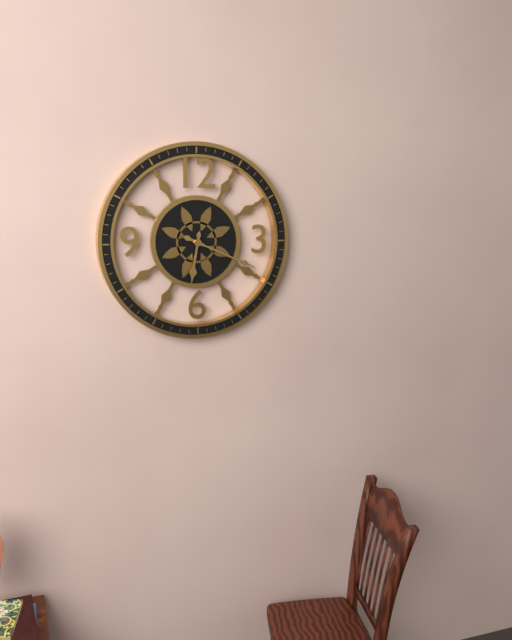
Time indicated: 6:19
